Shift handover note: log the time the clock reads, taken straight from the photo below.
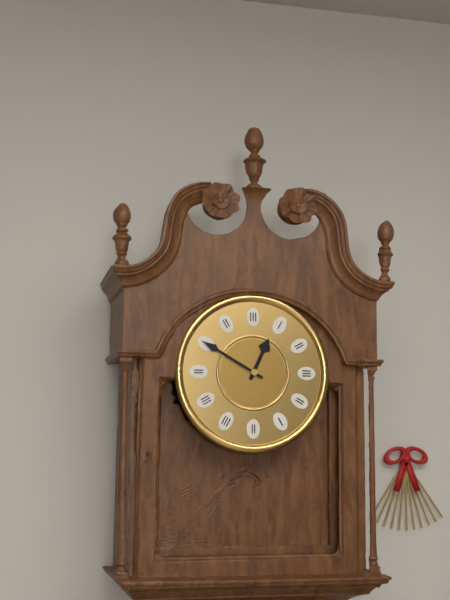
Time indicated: 12:50
